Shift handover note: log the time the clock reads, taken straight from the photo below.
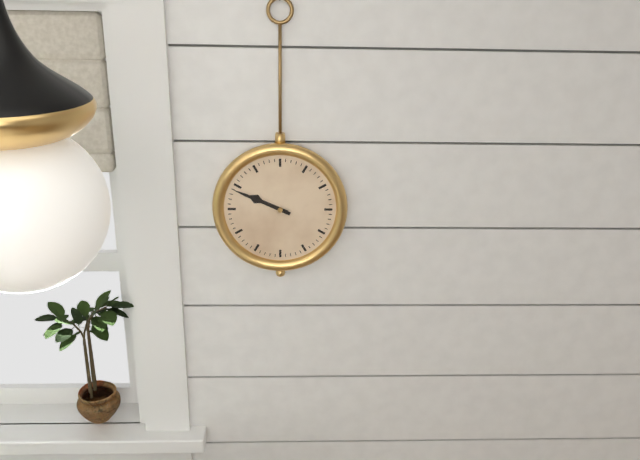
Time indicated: 9:49
